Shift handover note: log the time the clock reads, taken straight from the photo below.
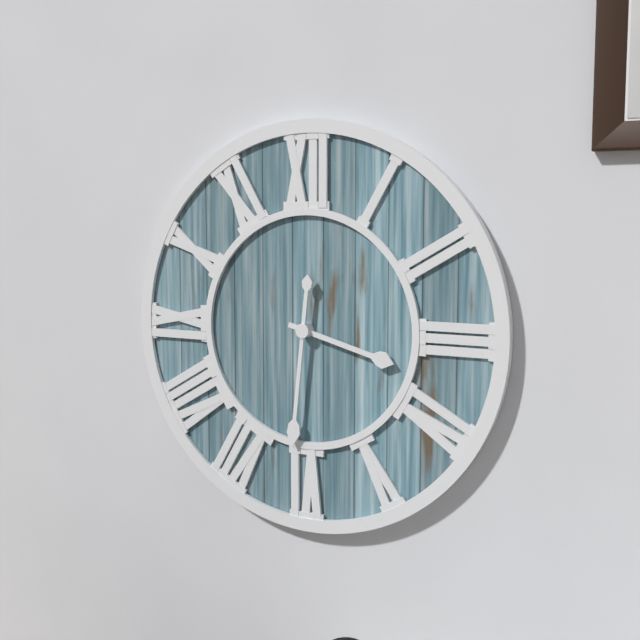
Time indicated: 3:31
